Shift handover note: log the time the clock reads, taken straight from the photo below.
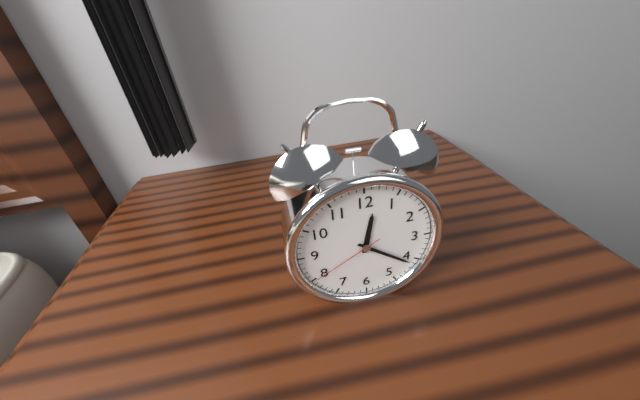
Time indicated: 12:21:40
